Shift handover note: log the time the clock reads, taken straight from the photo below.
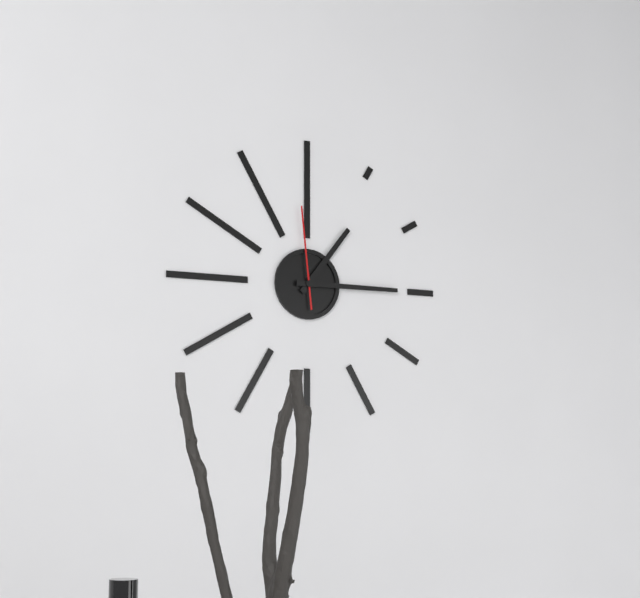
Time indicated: 1:15:59
